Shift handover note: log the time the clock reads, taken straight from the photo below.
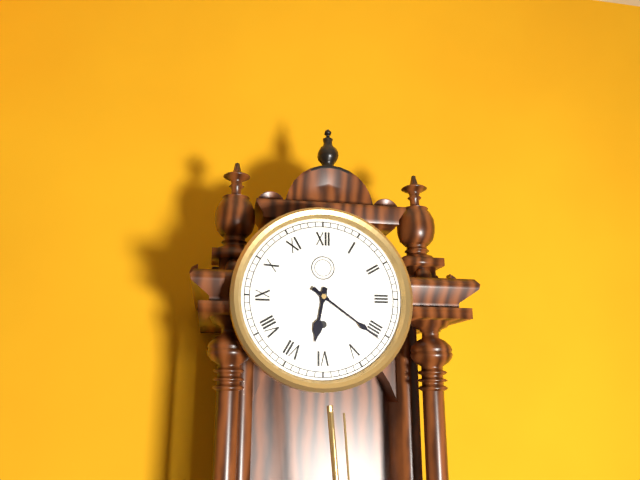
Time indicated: 6:21
